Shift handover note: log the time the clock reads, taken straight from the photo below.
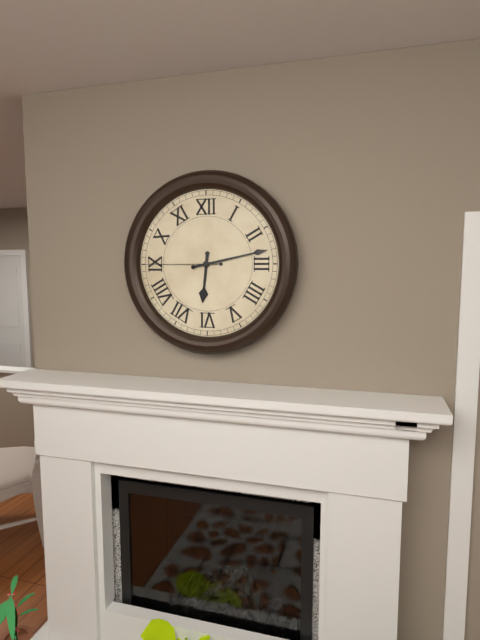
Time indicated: 6:13:45
